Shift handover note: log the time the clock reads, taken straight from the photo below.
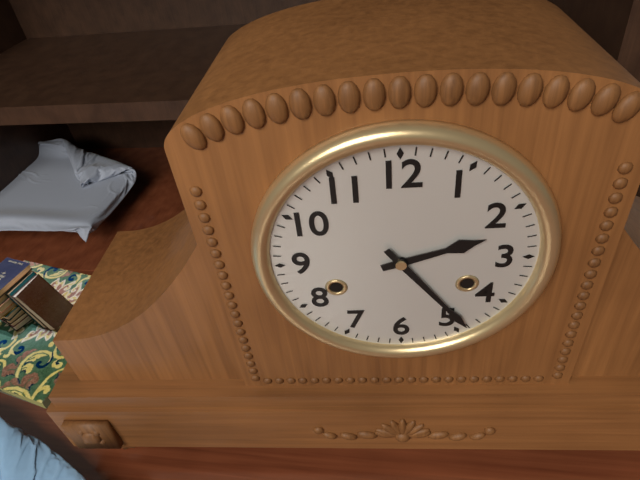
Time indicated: 2:24
